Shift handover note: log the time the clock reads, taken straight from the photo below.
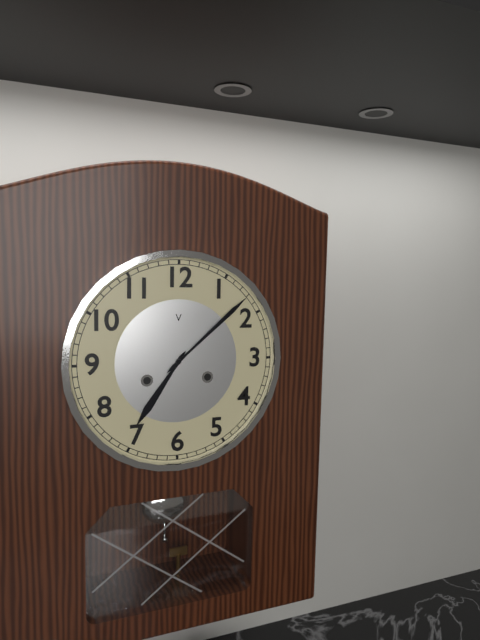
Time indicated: 7:08
